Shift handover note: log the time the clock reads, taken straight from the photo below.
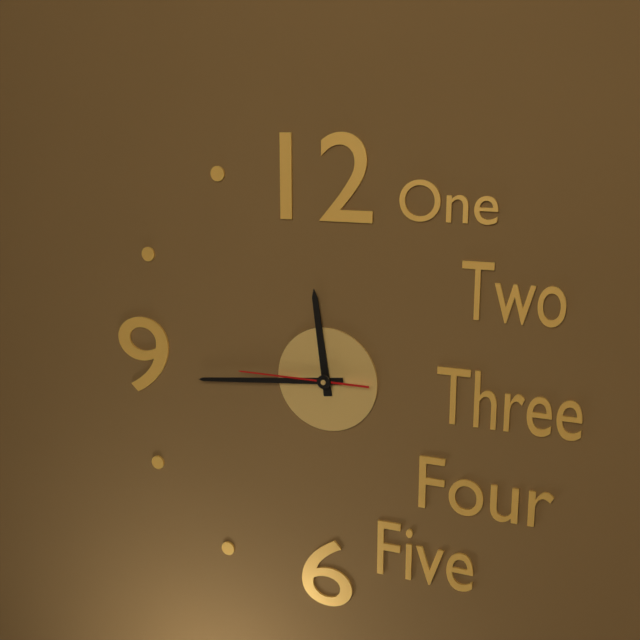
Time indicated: 11:44:45
